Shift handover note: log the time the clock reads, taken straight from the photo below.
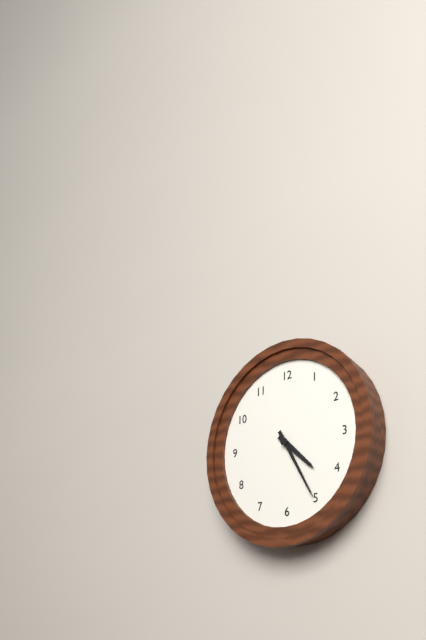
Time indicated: 4:25
